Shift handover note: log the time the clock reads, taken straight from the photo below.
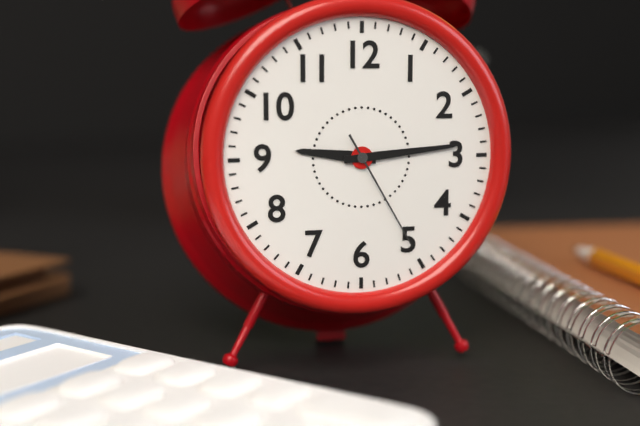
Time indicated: 9:14:25
